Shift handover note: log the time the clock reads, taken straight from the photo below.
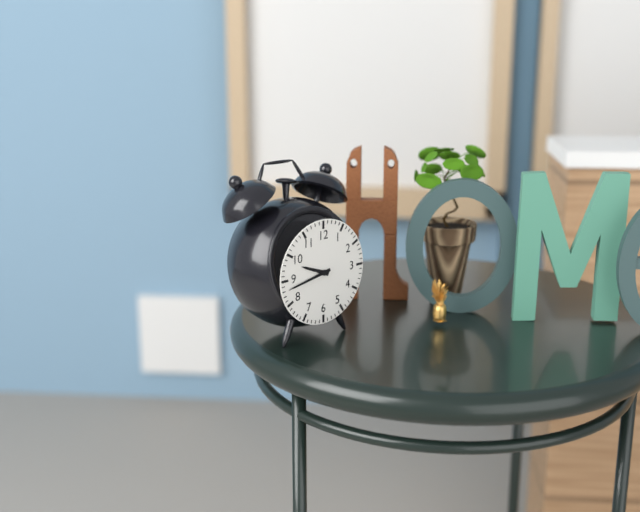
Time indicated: 9:43
